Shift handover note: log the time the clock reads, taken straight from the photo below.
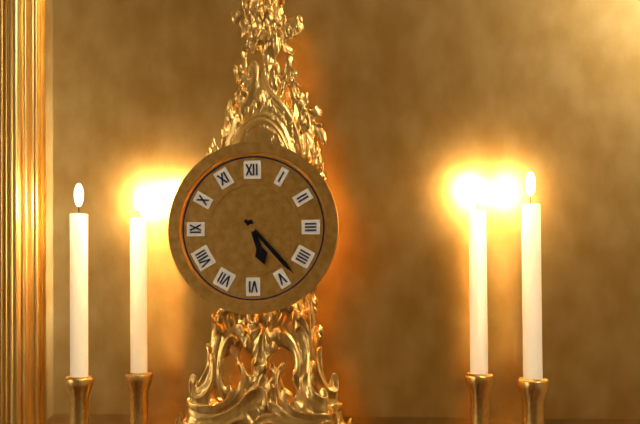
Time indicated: 5:23
